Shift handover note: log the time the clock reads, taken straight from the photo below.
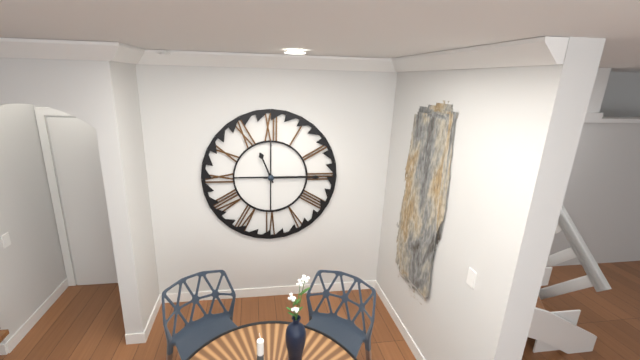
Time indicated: 11:15
